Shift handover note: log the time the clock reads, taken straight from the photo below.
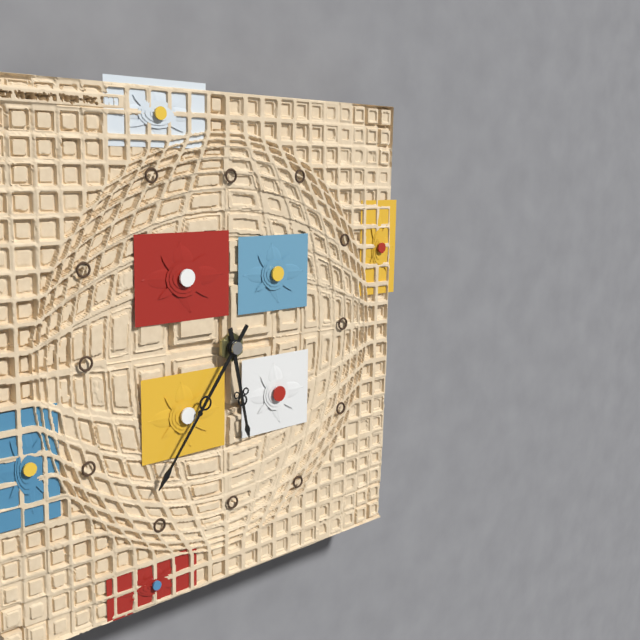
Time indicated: 5:36
